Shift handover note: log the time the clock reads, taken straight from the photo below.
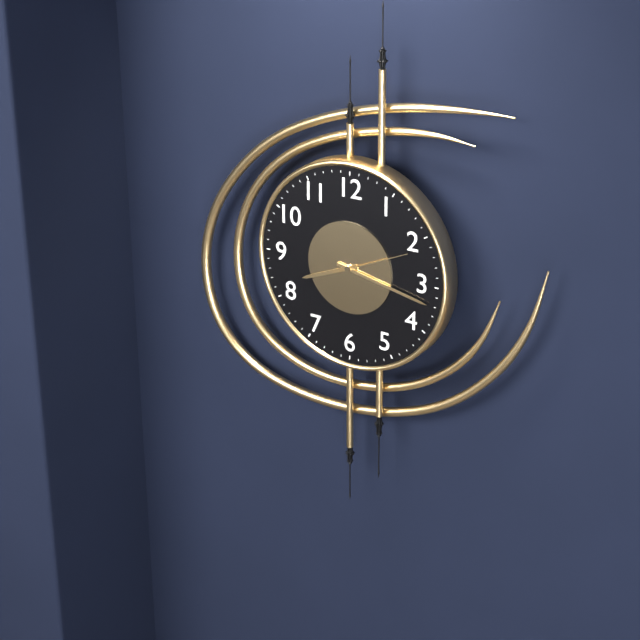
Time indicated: 8:17:11
